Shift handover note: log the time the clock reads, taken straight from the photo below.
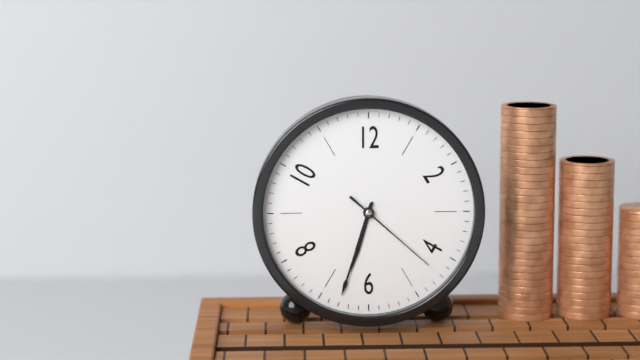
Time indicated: 6:33:22
